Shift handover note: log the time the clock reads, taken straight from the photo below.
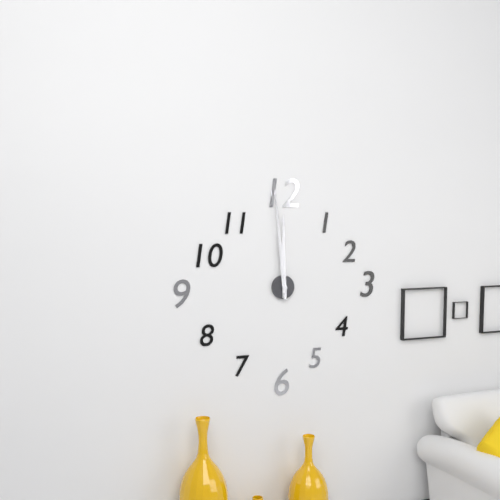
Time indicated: 11:59
